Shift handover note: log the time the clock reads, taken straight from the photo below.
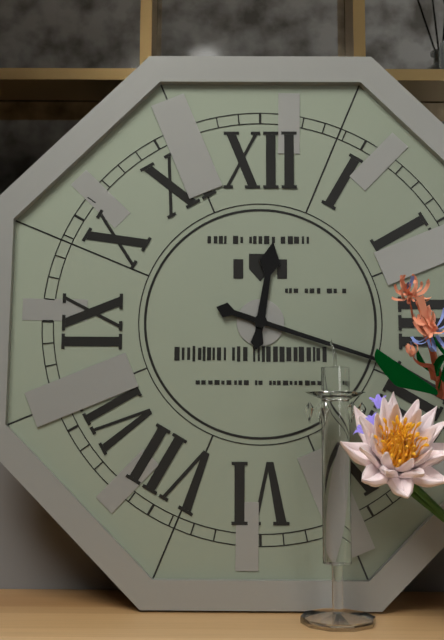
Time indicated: 12:18
